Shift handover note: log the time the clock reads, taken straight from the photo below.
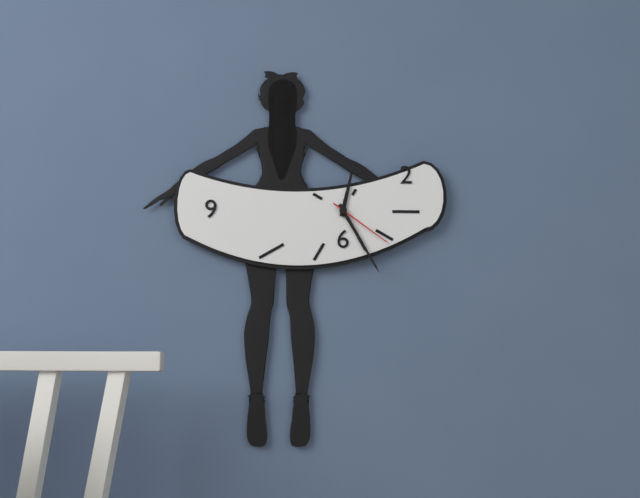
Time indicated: 12:25:21
